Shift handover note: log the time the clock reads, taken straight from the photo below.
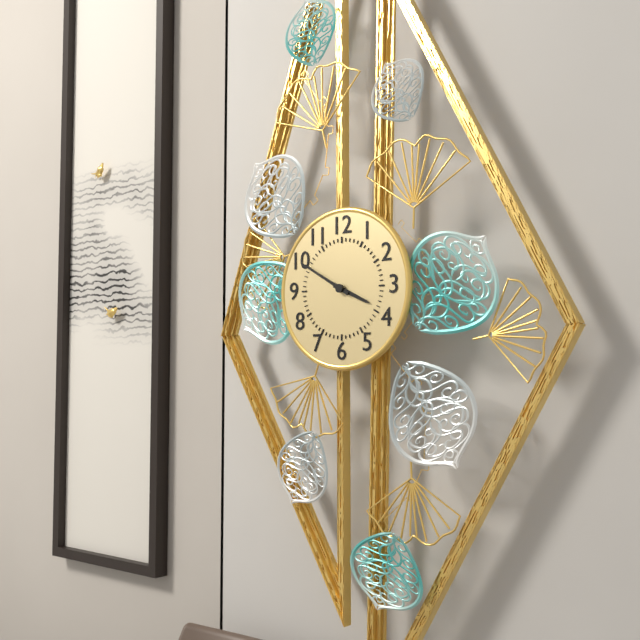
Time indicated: 3:50
